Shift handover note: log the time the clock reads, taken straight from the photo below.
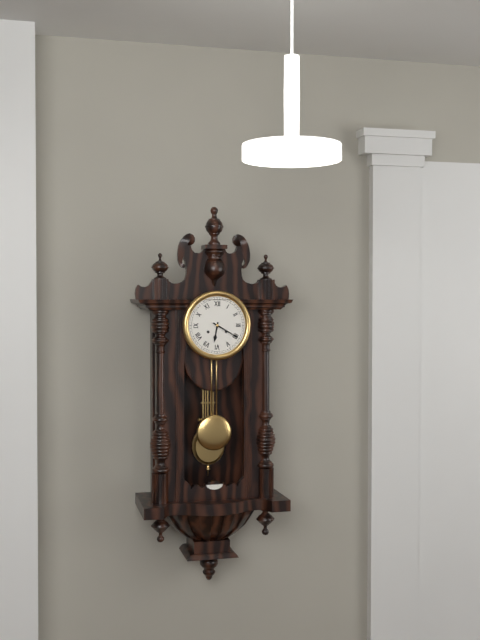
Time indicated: 6:20
